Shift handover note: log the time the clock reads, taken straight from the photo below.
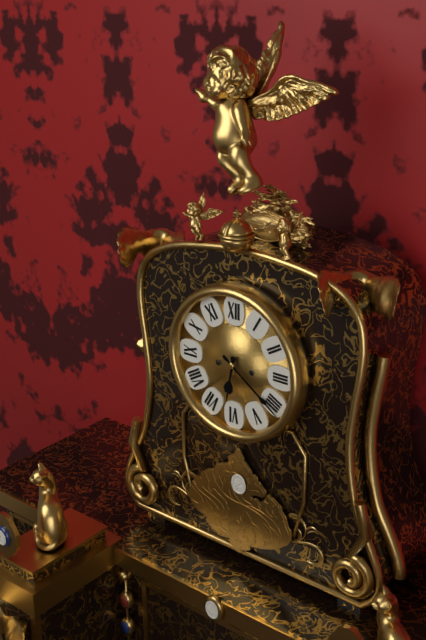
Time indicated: 6:21
